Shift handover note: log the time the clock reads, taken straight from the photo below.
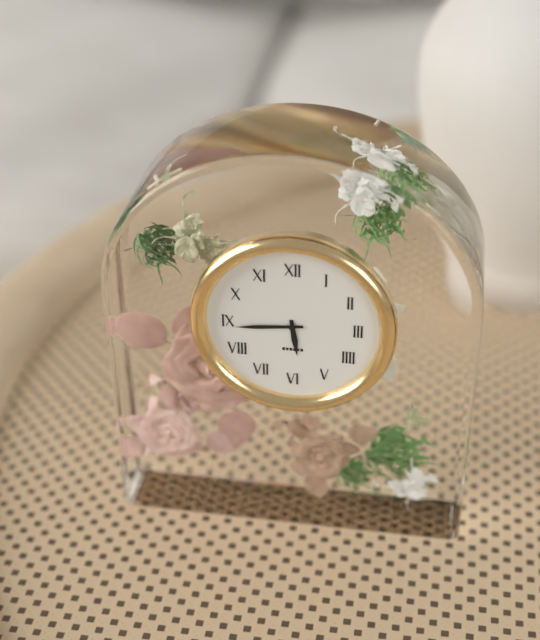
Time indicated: 5:44
